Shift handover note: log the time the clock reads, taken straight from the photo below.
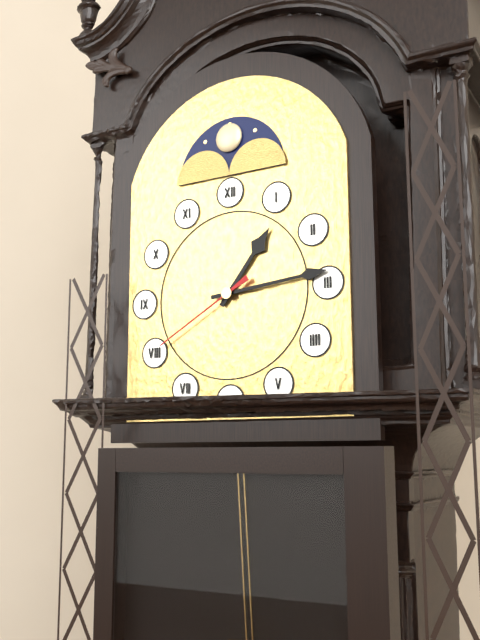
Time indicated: 1:14:40
